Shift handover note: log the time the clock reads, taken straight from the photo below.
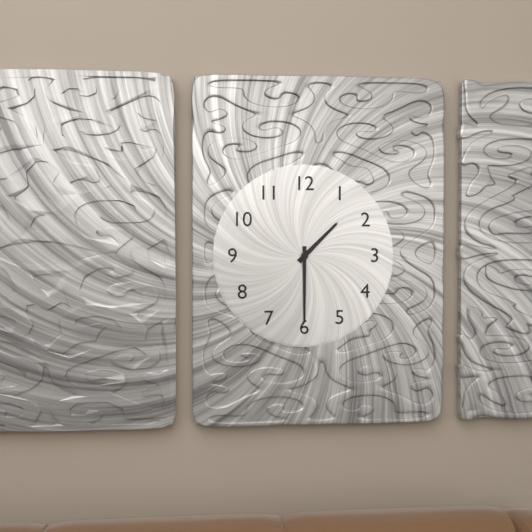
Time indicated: 1:30
